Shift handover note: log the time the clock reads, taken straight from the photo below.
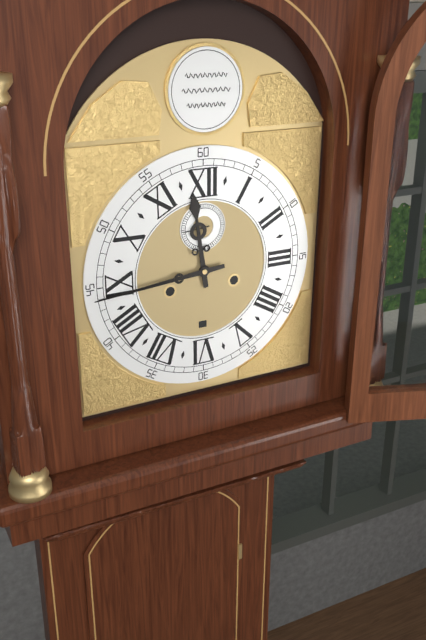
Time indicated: 11:44
